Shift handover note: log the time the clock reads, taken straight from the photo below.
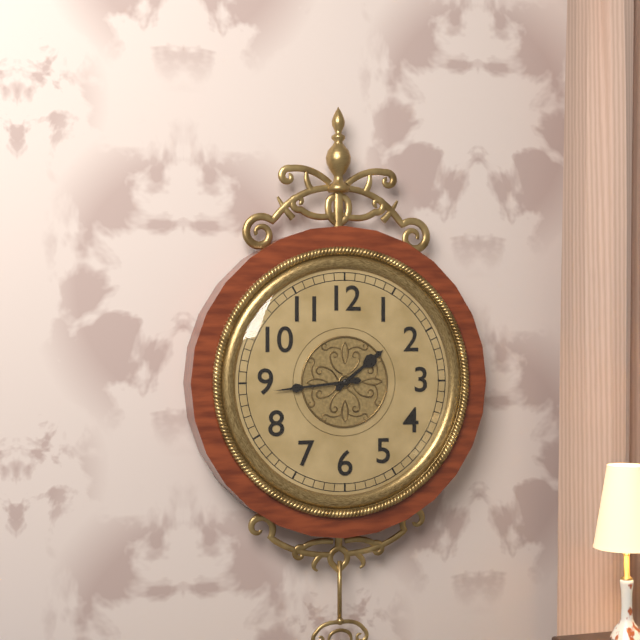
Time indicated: 1:44
